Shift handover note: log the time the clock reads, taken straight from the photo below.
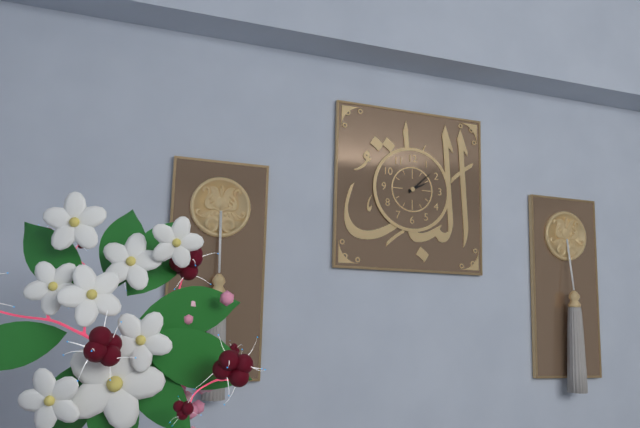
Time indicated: 2:08
